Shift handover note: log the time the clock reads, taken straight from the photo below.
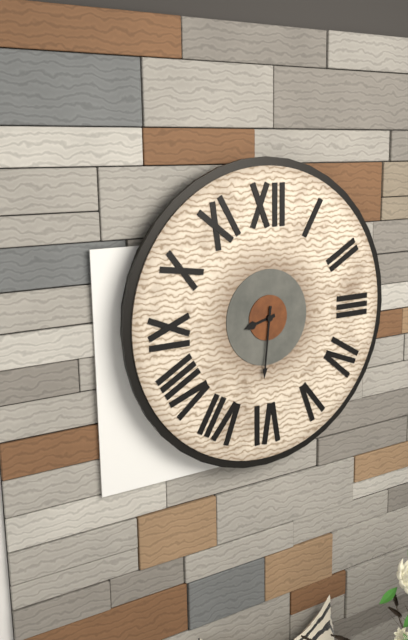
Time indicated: 8:31
